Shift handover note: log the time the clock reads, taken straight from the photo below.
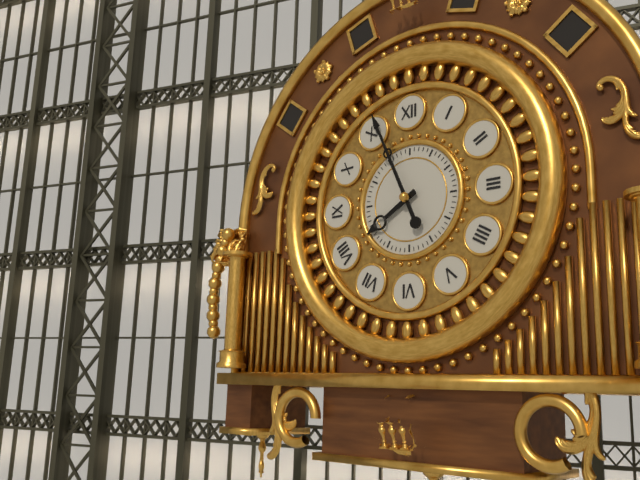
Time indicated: 7:56
